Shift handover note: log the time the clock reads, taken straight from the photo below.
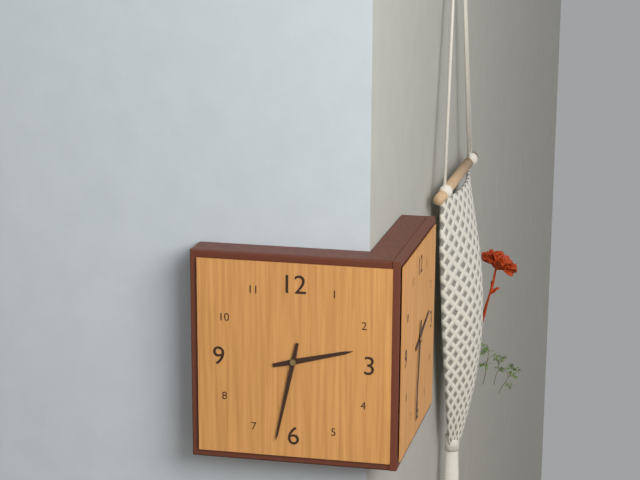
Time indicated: 2:32
